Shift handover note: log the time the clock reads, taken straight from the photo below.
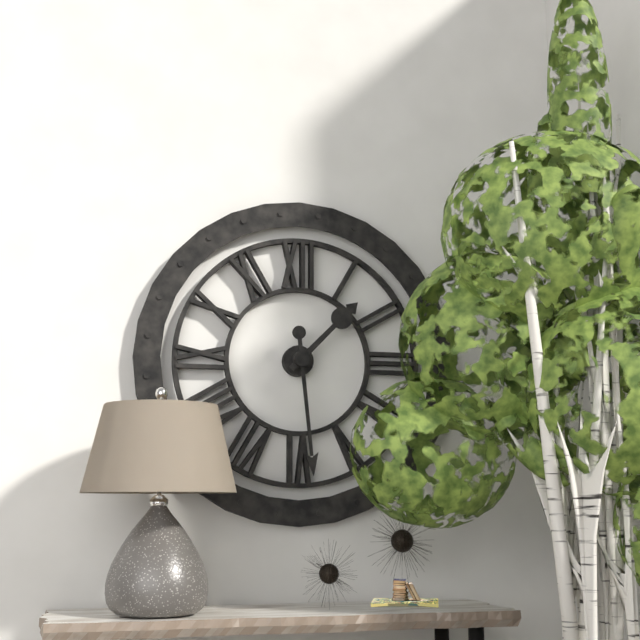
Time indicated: 1:29
